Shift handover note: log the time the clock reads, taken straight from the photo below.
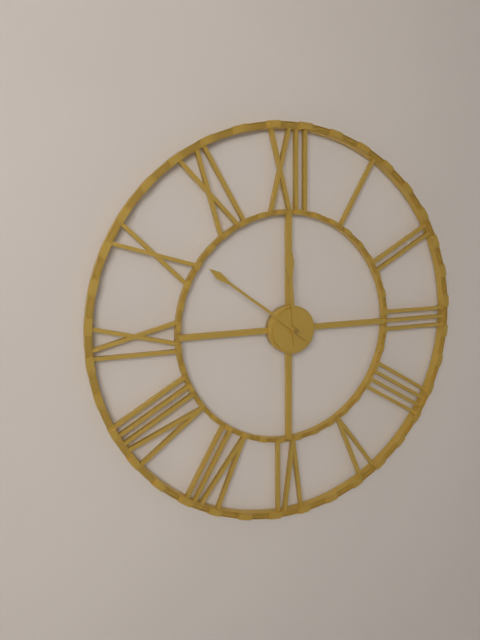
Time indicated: 11:51
